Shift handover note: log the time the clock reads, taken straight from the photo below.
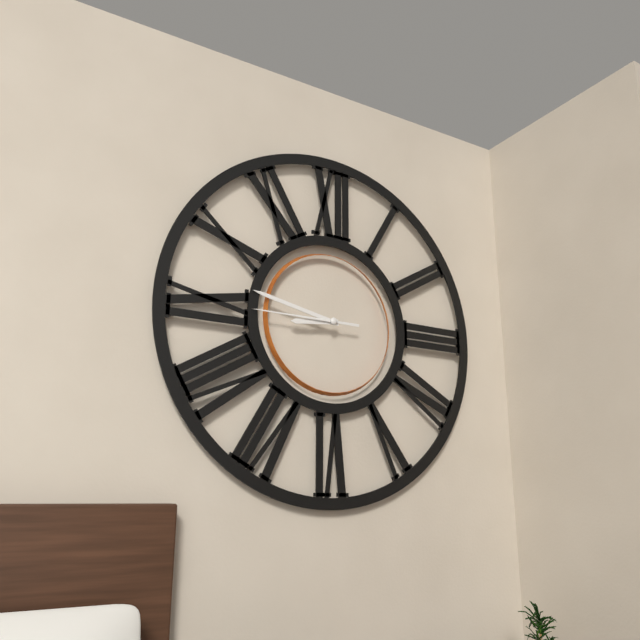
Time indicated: 8:47:45
